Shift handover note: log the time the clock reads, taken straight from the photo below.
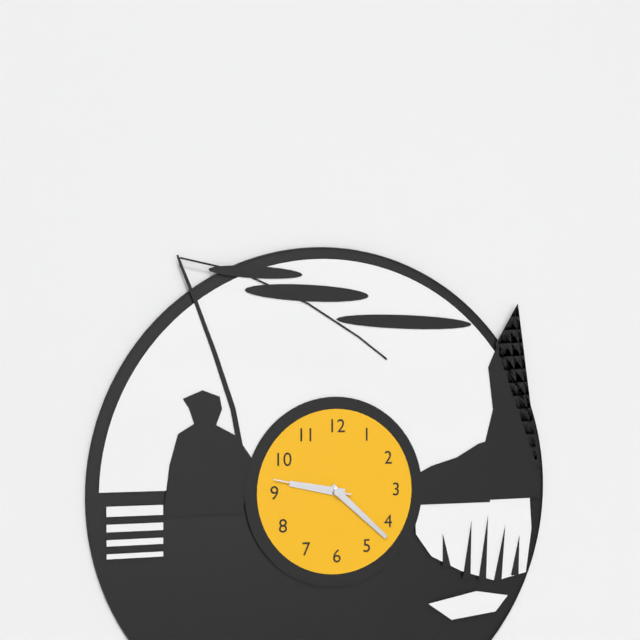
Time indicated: 9:22:47
